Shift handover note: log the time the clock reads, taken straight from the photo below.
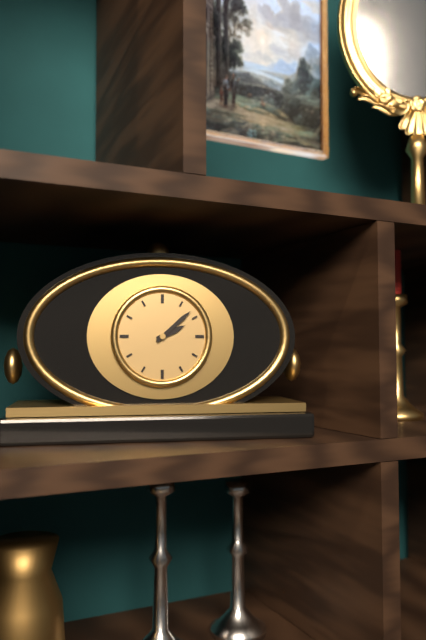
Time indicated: 2:08
